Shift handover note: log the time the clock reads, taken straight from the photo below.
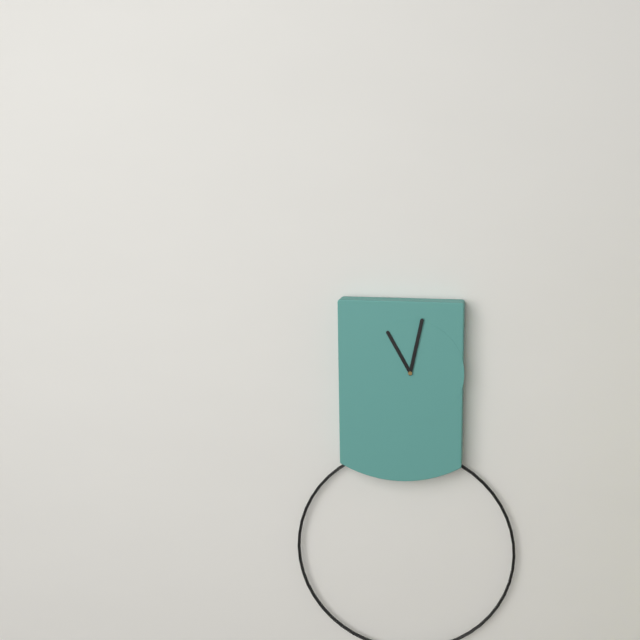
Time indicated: 11:02
